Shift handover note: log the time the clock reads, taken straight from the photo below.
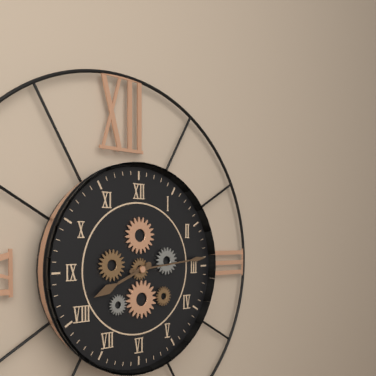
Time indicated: 8:14
